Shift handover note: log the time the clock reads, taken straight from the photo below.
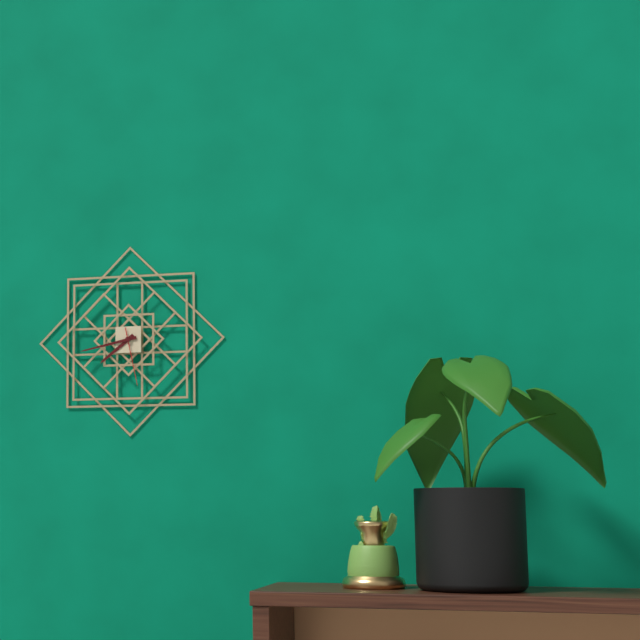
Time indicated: 7:43:28
